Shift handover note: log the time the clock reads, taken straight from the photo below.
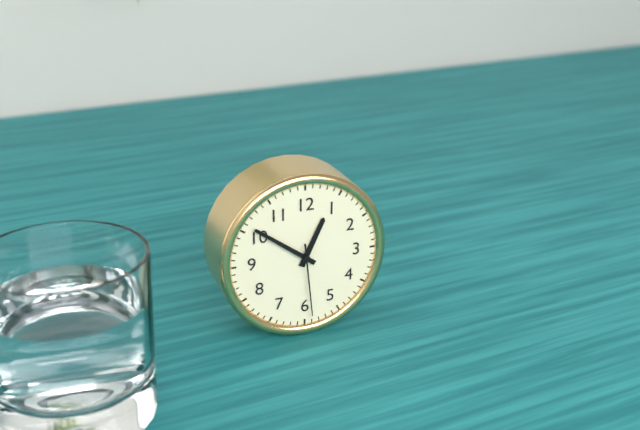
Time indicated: 12:51:29
